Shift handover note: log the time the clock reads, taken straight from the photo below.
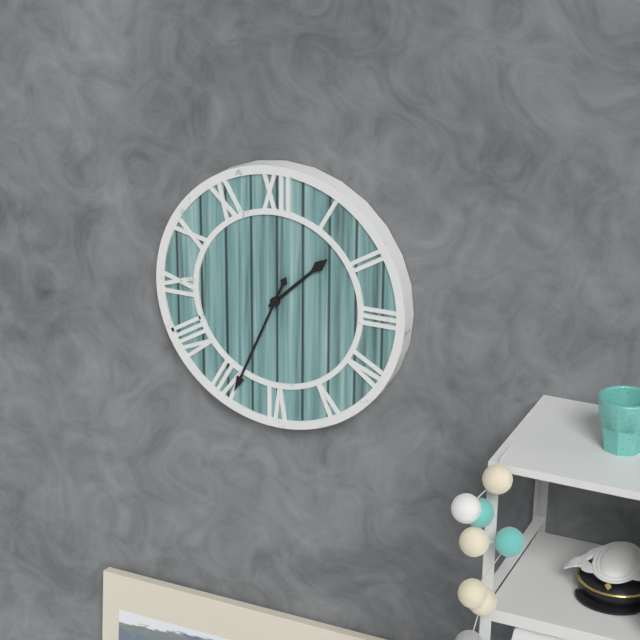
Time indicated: 1:34
